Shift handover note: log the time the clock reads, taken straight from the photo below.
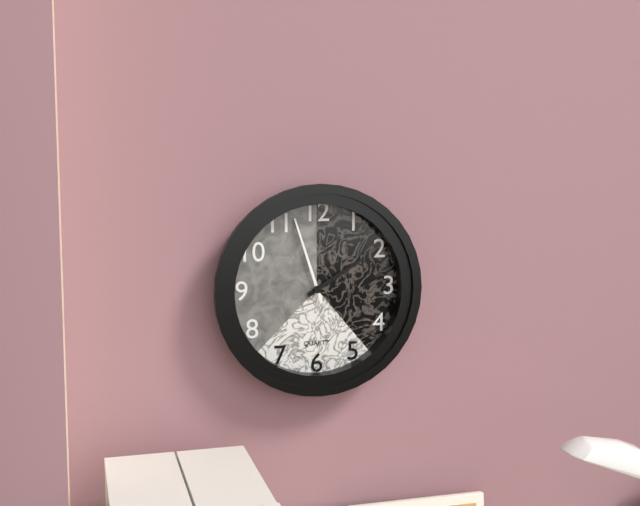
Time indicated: 1:57
